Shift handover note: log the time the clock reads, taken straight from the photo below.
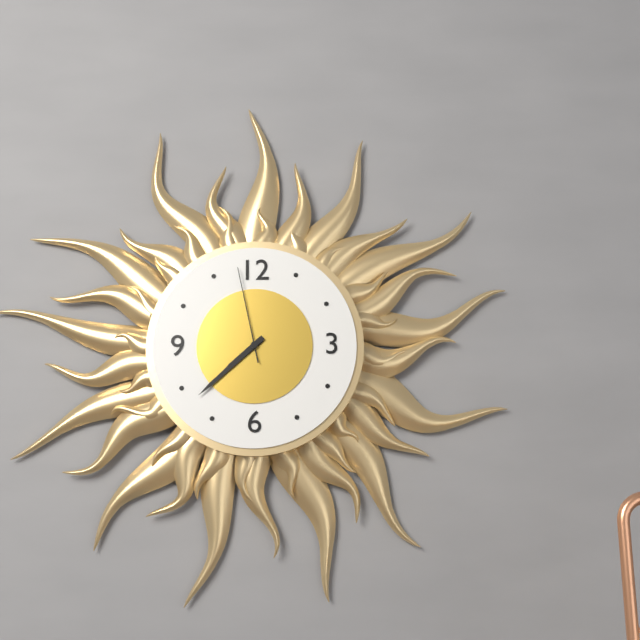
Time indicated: 7:38:58
